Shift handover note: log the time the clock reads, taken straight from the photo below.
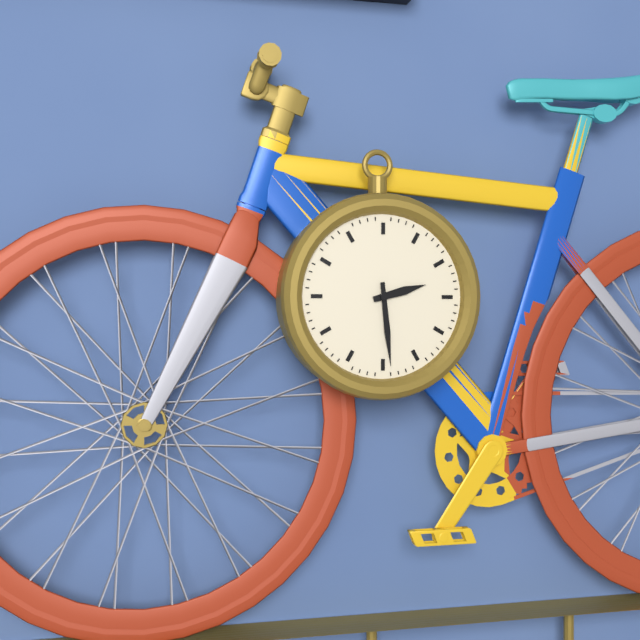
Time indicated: 2:29
